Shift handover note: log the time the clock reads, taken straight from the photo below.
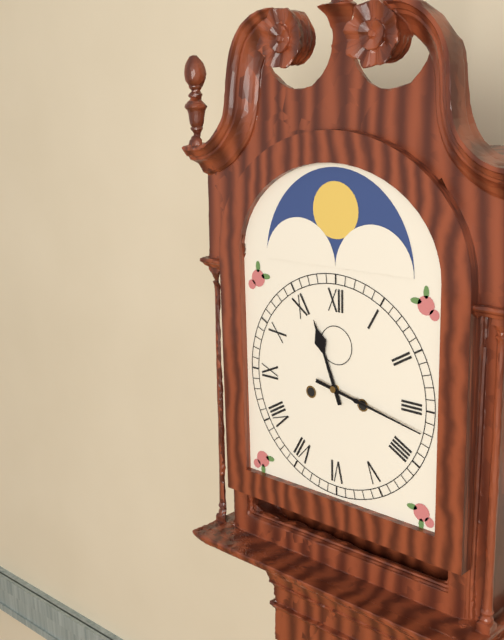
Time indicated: 11:17
